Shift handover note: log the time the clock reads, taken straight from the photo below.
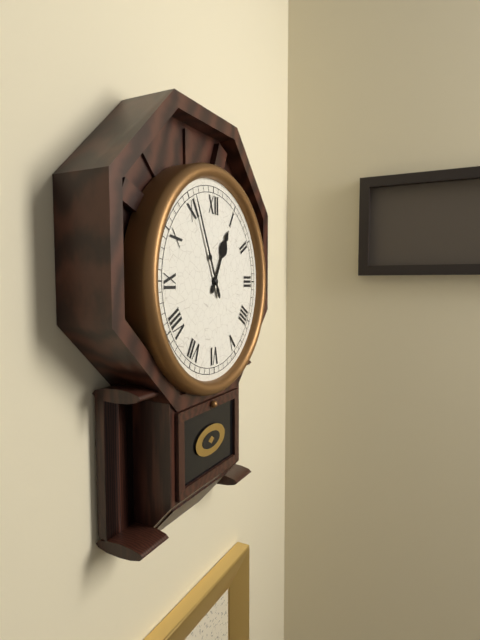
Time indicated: 12:56
